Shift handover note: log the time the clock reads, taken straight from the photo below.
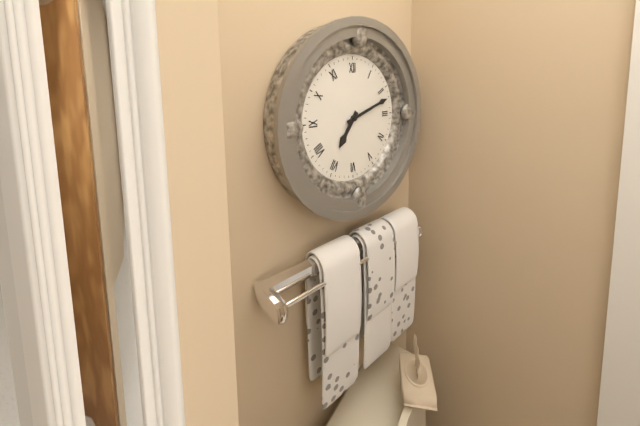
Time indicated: 7:12
